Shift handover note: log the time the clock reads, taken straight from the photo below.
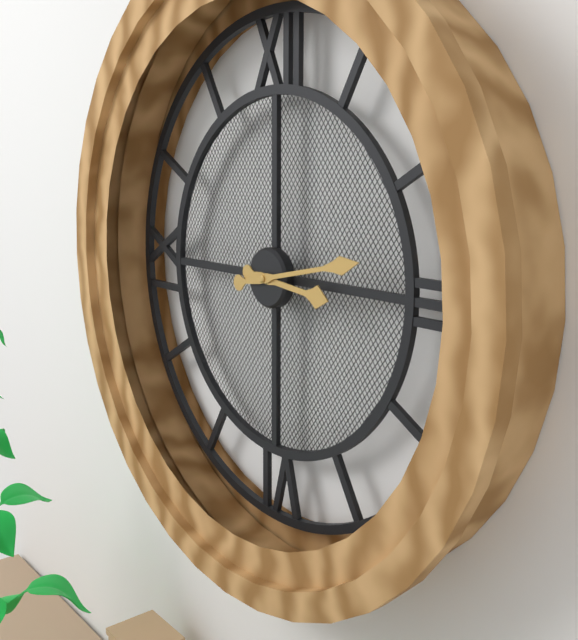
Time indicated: 3:13
